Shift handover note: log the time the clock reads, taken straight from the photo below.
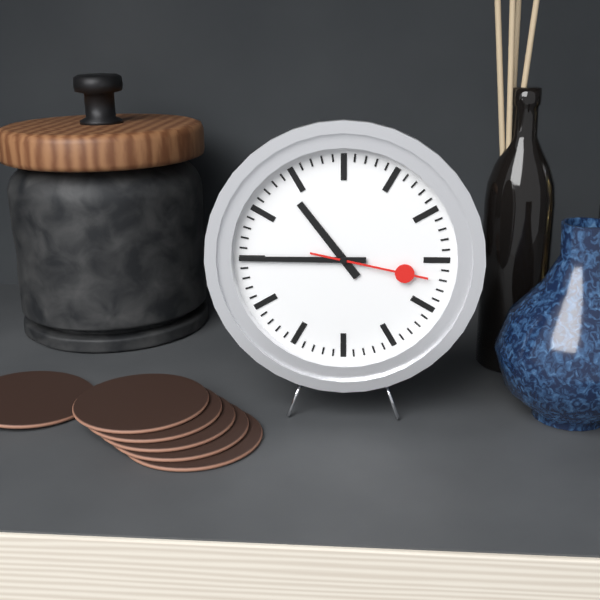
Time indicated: 10:45:17
